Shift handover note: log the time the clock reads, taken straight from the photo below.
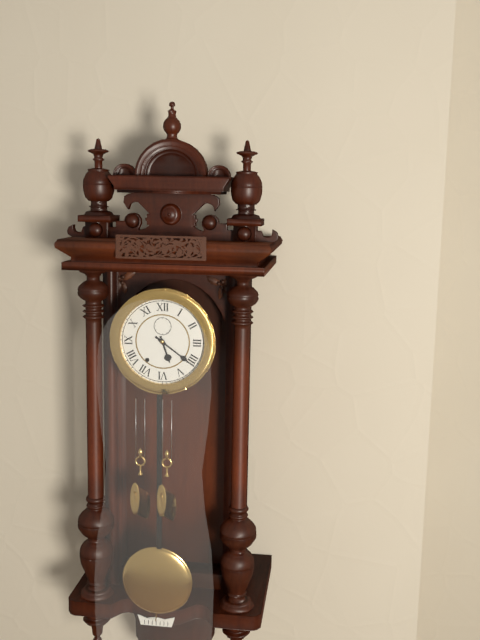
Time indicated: 5:21
